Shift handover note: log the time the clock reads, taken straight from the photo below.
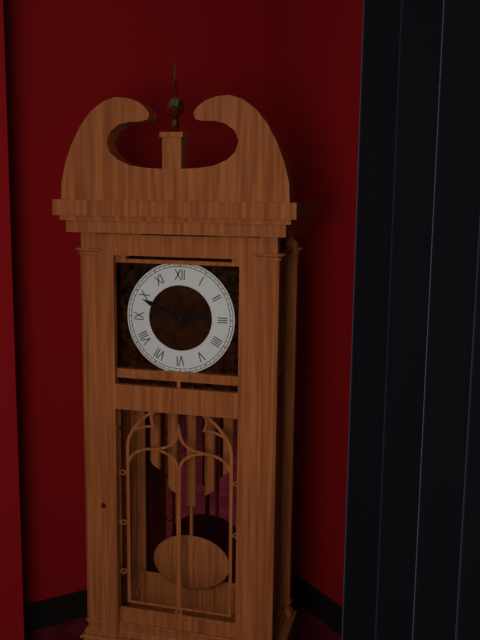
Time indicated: 2:49
